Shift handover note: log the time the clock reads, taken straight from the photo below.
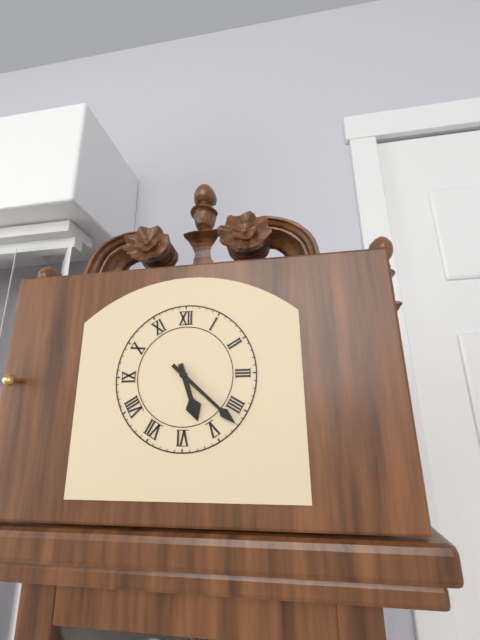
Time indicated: 5:22
